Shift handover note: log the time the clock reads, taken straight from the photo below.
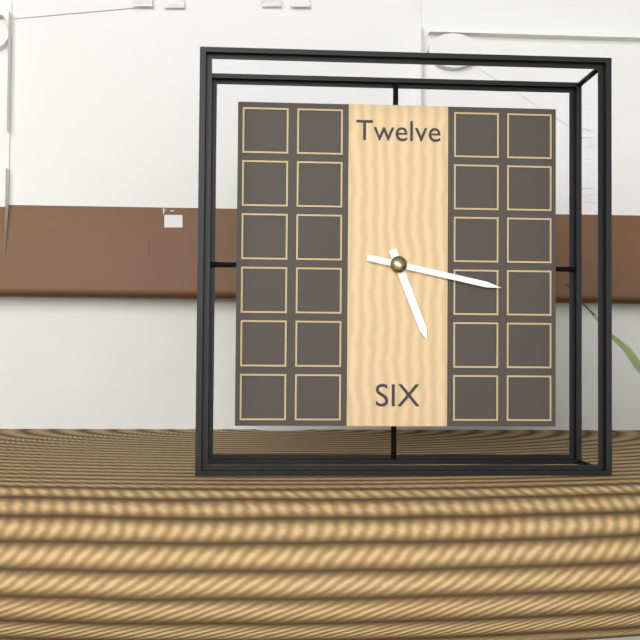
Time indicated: 5:17
